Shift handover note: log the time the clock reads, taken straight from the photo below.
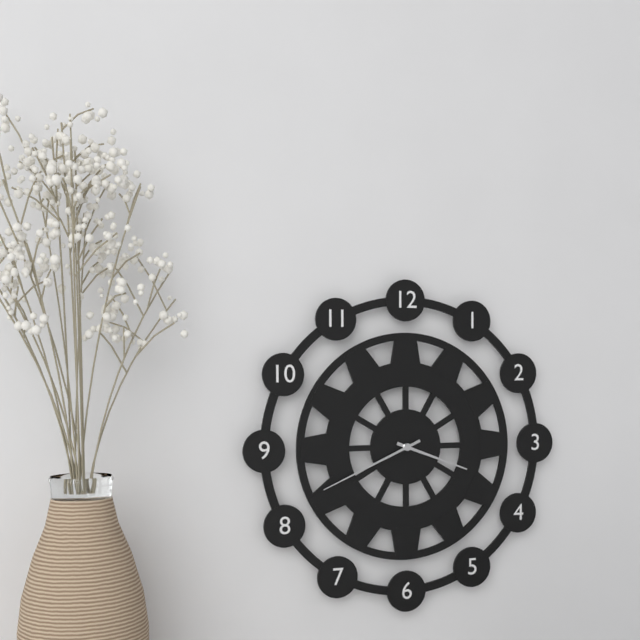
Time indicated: 3:41
